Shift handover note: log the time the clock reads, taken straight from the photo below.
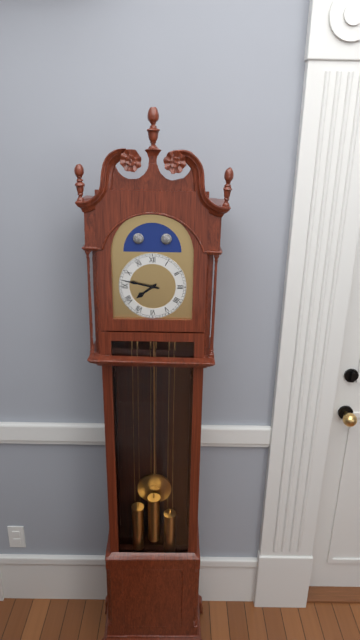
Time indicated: 7:47
